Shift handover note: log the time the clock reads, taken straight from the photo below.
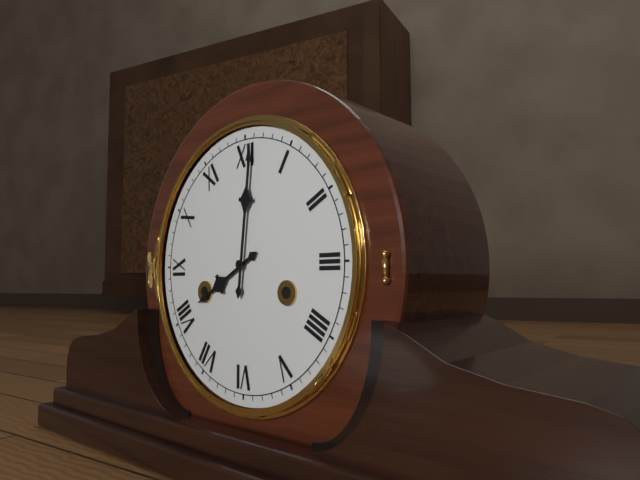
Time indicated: 8:01
